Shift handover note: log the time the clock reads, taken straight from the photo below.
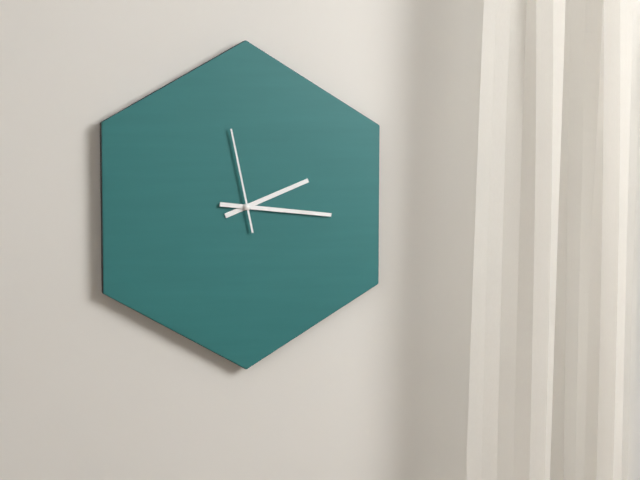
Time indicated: 2:16:58
